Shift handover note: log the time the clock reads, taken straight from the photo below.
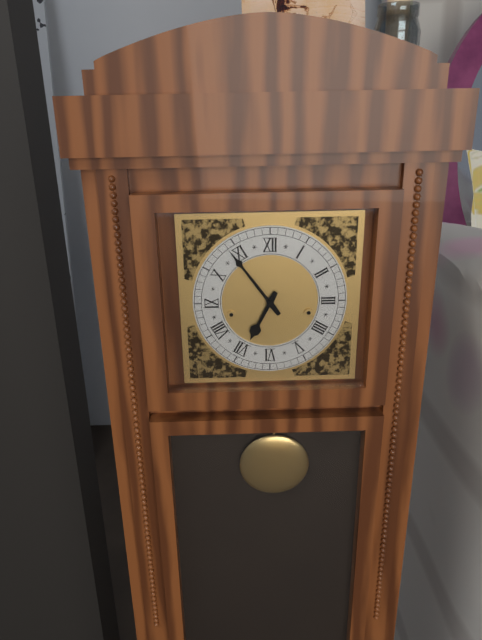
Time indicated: 6:54
